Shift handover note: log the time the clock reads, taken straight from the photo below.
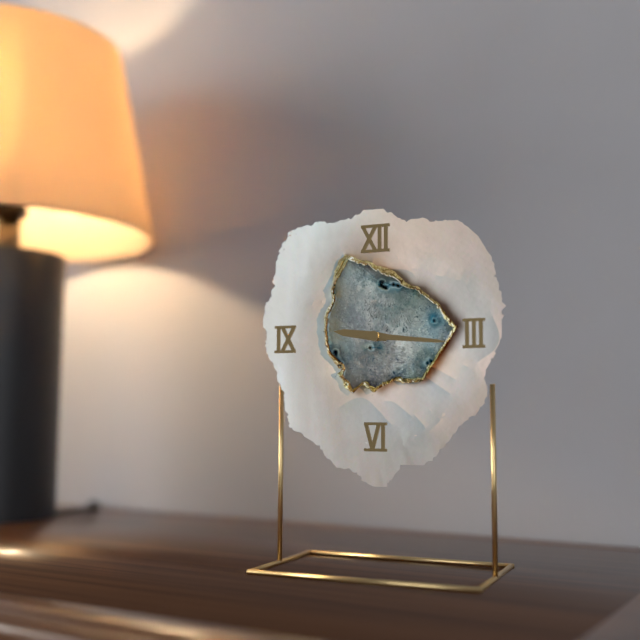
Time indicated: 9:16
